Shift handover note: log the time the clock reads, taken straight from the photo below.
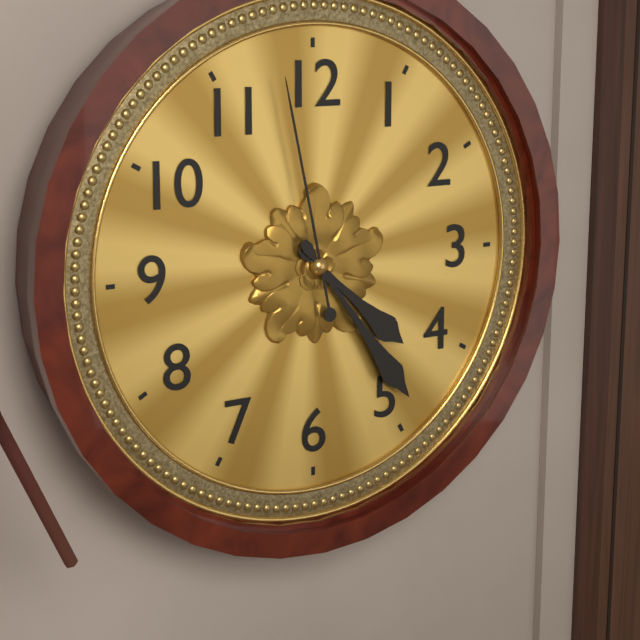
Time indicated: 4:24:58
